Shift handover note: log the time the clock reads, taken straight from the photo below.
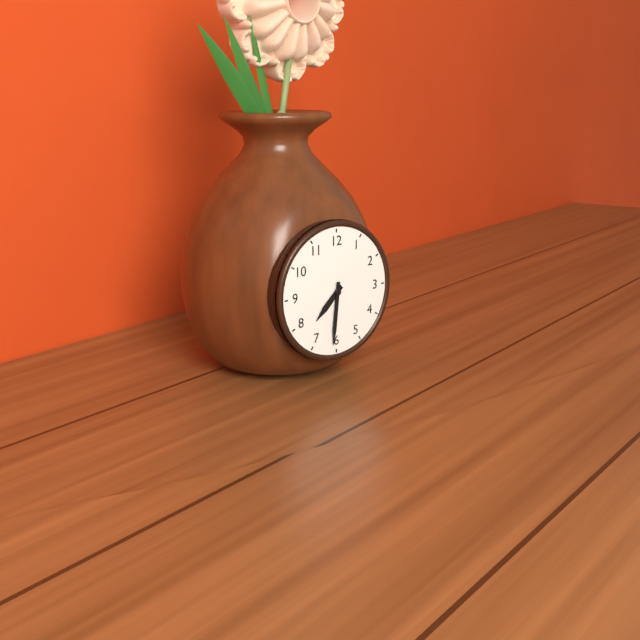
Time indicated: 7:31
